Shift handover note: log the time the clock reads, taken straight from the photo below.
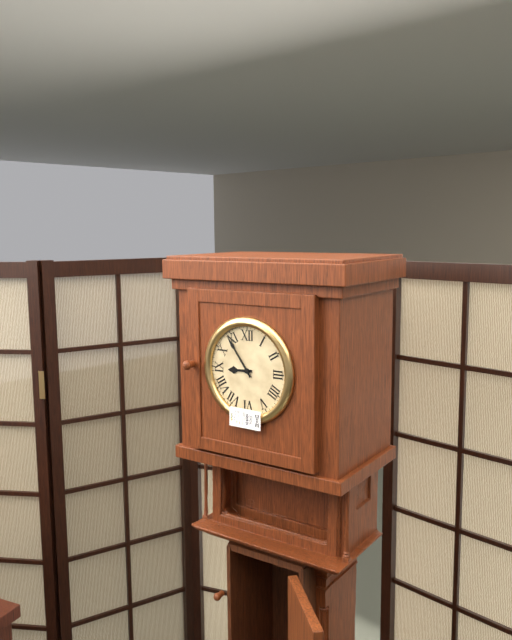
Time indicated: 8:54
